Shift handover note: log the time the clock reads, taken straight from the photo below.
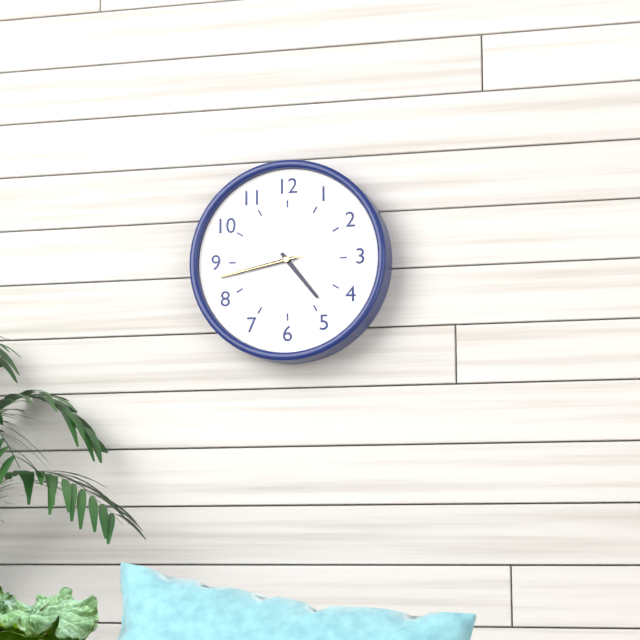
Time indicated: 4:43:43
